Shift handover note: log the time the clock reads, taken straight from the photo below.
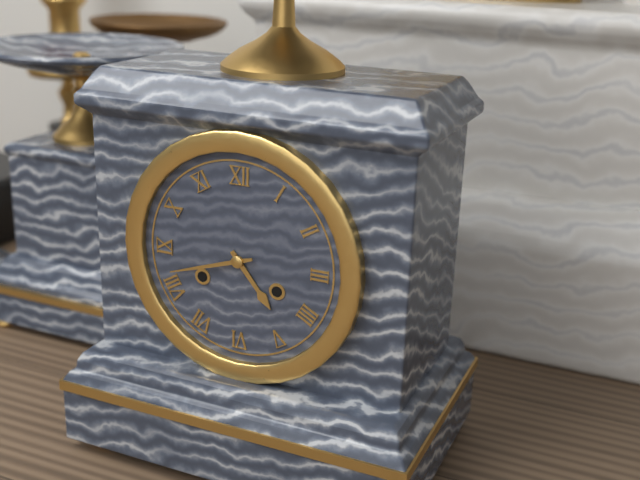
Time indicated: 4:42
